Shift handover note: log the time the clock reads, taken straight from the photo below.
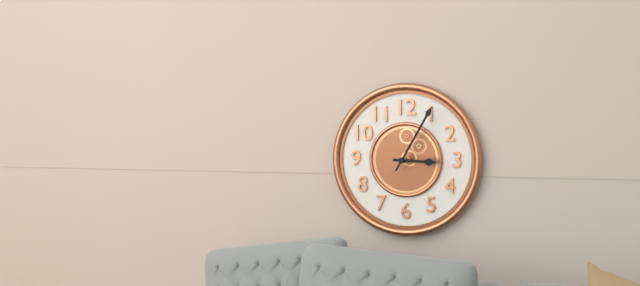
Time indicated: 3:05
